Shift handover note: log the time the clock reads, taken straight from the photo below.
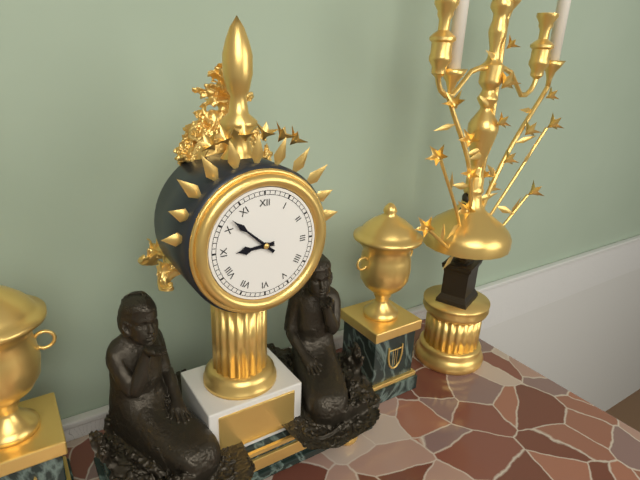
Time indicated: 8:52
